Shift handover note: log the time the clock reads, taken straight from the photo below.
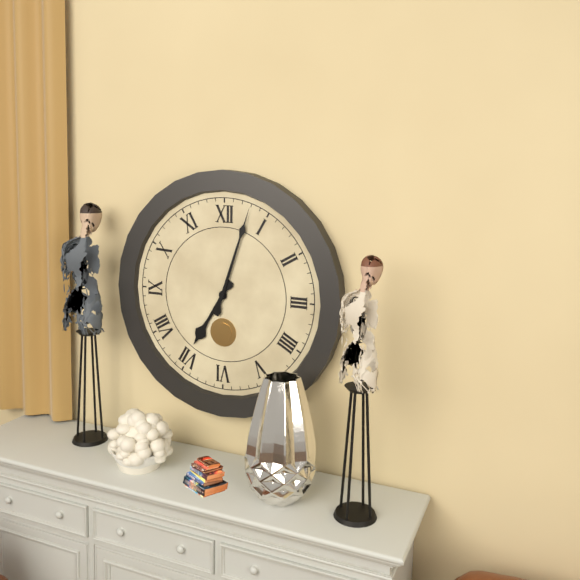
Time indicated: 7:03
